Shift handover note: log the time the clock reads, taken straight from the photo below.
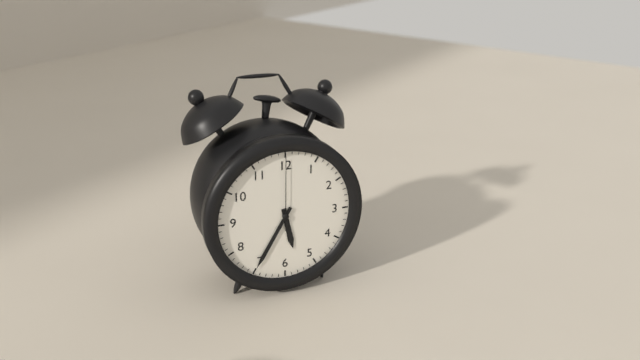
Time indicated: 5:35:00
